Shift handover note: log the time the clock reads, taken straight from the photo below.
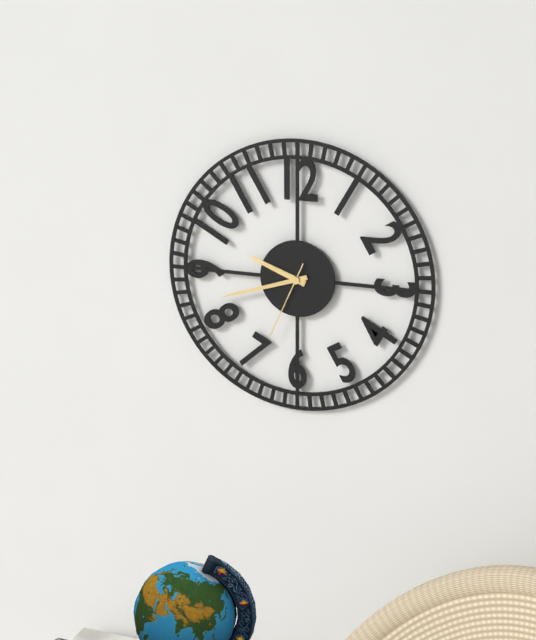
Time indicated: 9:42:34
